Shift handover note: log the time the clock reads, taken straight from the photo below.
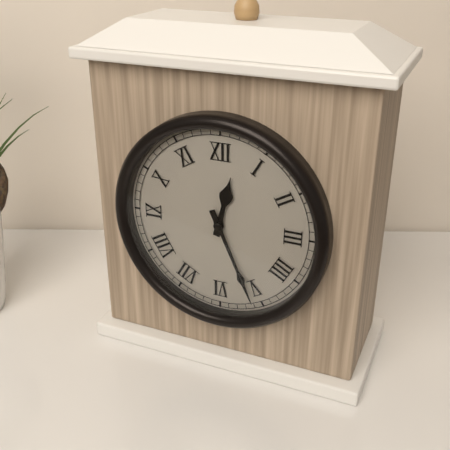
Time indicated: 12:26
